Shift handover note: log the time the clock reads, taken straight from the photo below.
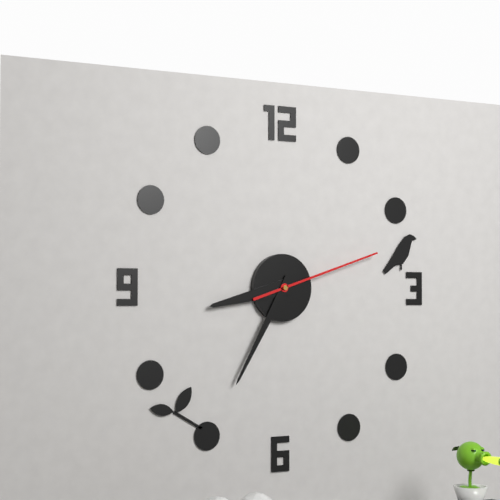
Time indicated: 8:35:12
